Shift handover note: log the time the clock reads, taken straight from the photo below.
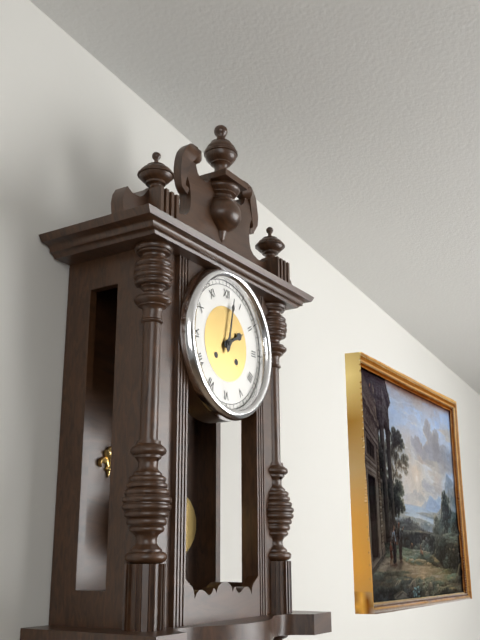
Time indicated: 2:02
